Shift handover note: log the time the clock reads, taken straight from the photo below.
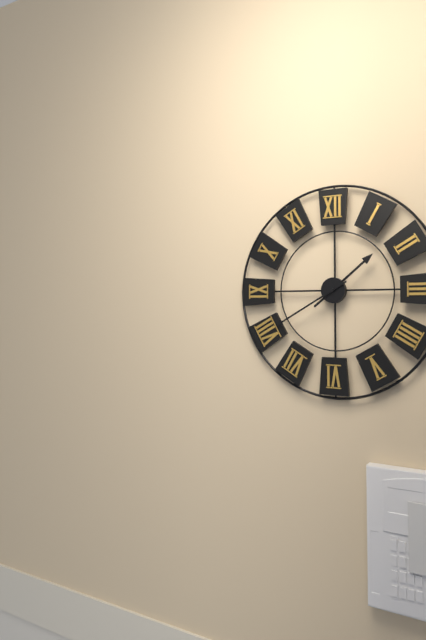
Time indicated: 1:40
